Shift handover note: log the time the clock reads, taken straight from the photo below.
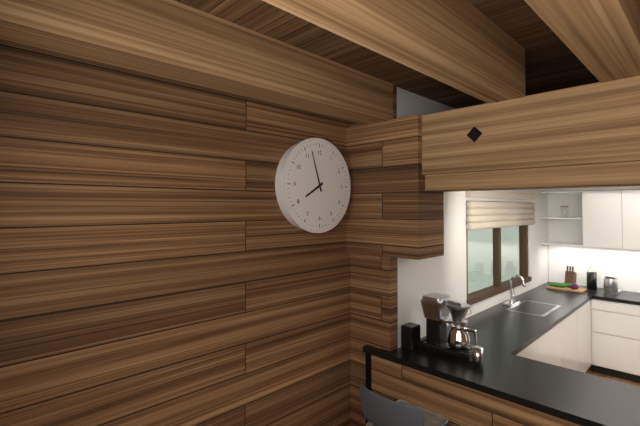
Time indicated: 7:57
